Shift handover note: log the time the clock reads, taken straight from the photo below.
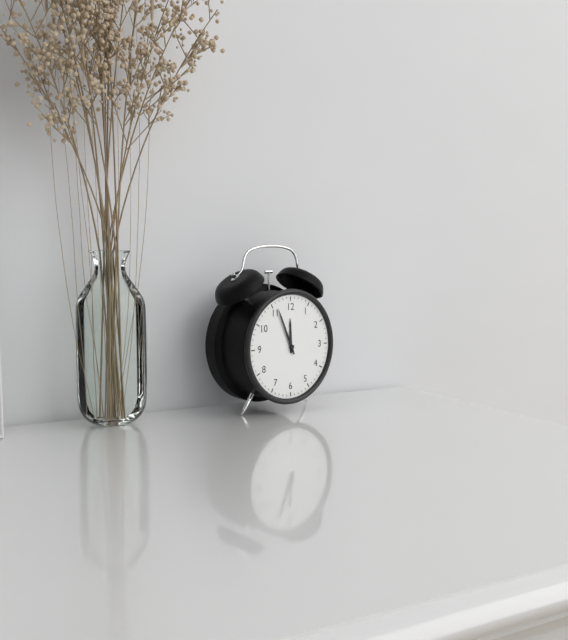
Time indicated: 11:56
